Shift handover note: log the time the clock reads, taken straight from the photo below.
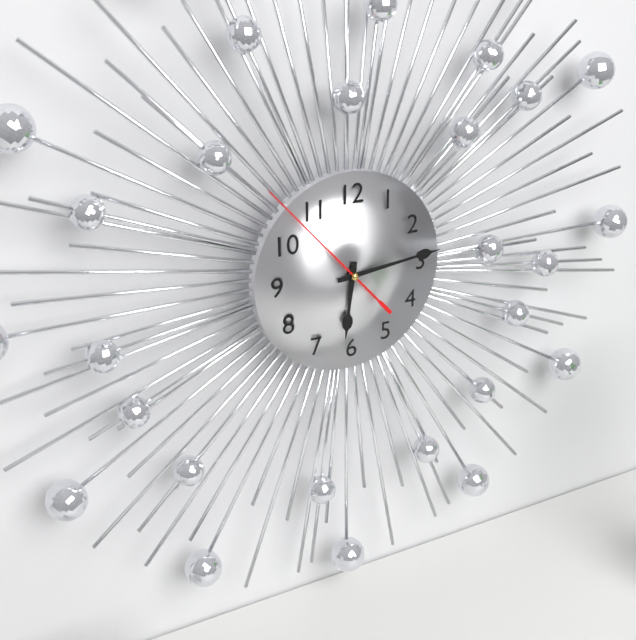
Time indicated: 6:14:53
